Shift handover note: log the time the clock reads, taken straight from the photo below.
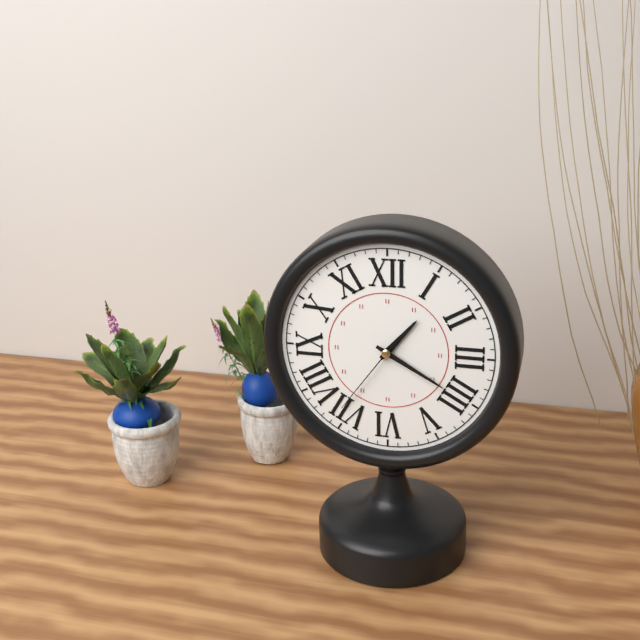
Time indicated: 1:20:36
